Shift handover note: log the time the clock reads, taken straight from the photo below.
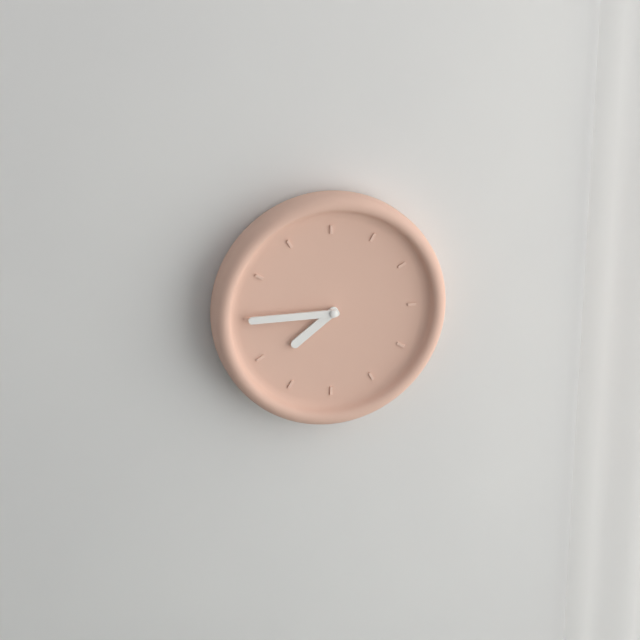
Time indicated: 7:45
